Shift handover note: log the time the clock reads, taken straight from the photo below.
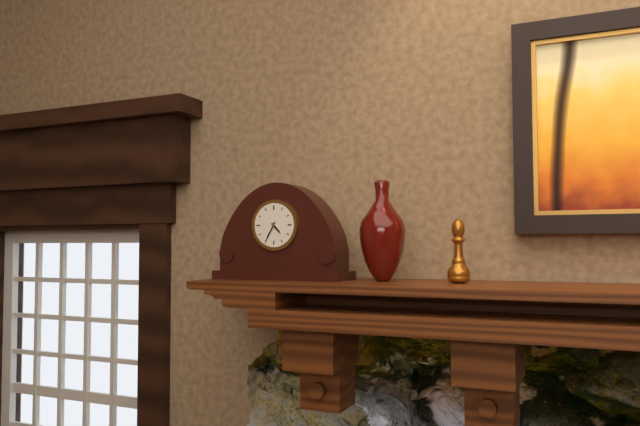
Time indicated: 4:35
